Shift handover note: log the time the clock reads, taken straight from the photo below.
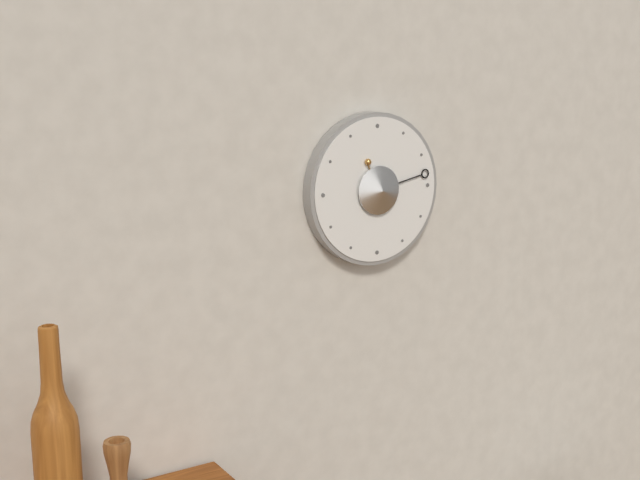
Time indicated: 11:13
